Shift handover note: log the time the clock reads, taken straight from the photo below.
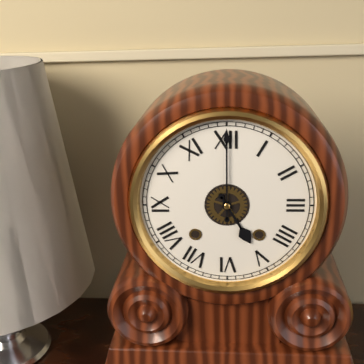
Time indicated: 5:00
